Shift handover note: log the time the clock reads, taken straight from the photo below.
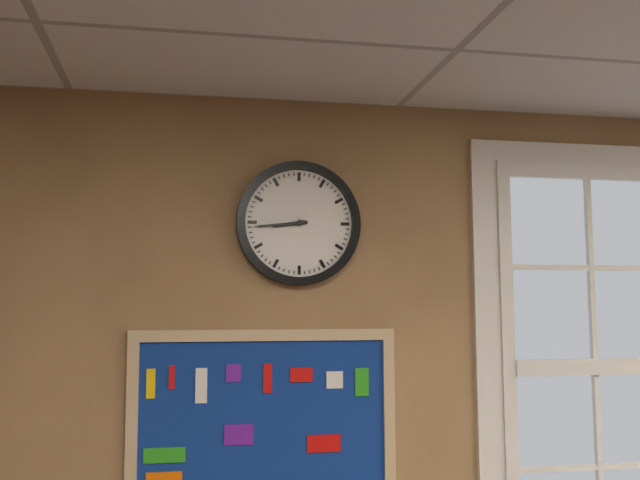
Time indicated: 8:44
